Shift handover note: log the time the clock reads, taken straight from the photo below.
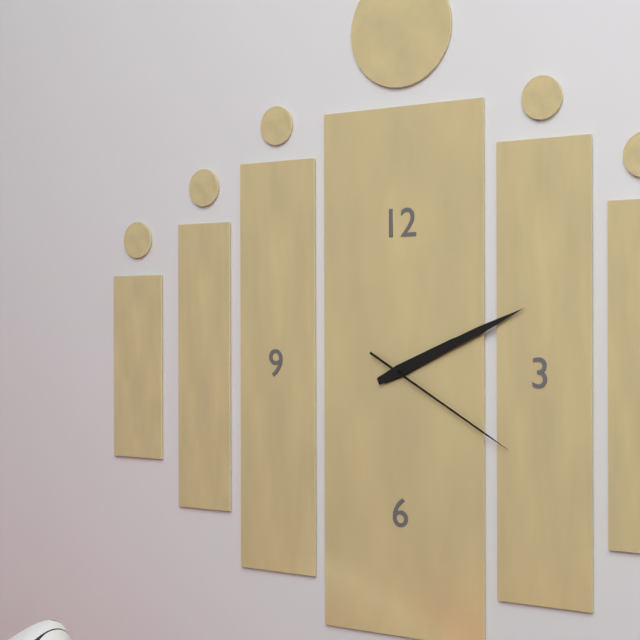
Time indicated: 2:11:20
